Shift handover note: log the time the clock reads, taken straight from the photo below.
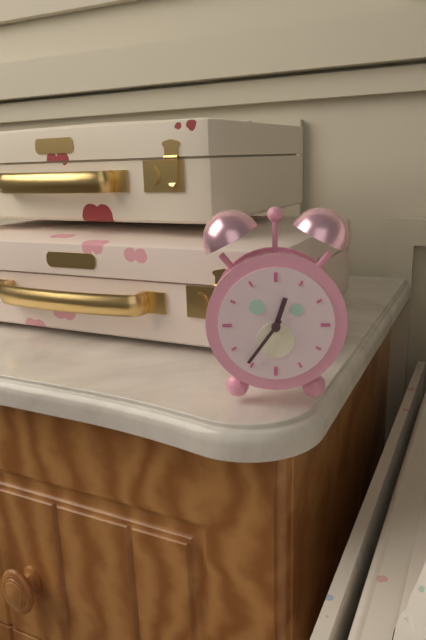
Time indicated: 12:36
